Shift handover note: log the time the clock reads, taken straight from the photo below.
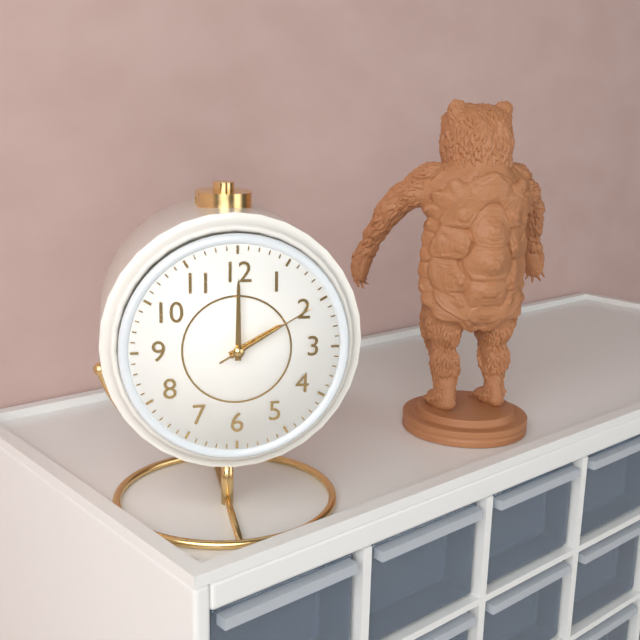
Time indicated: 2:00:10
